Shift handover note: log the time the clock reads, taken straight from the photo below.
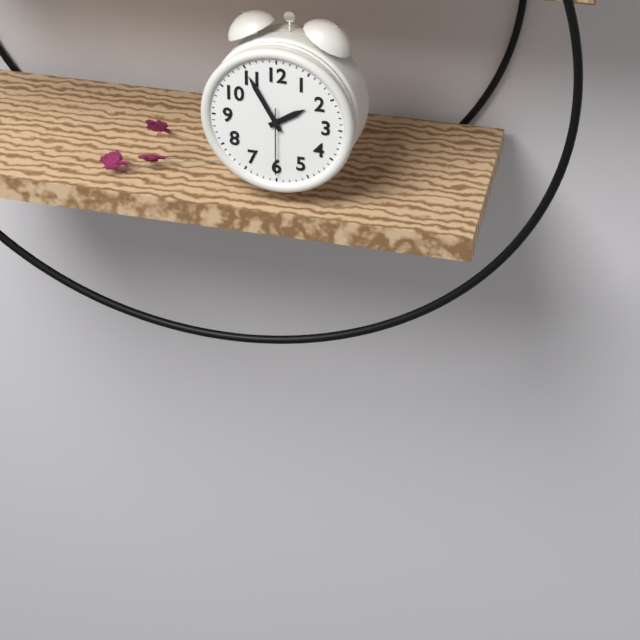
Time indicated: 1:55:30
